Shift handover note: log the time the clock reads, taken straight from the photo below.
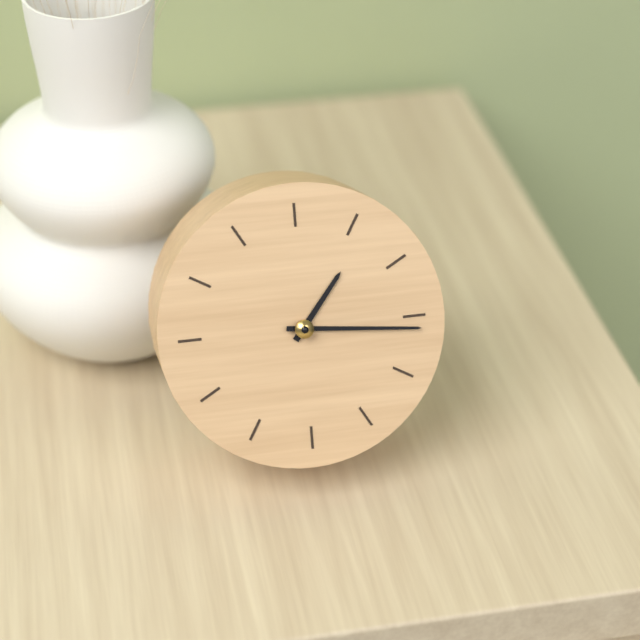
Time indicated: 1:16
